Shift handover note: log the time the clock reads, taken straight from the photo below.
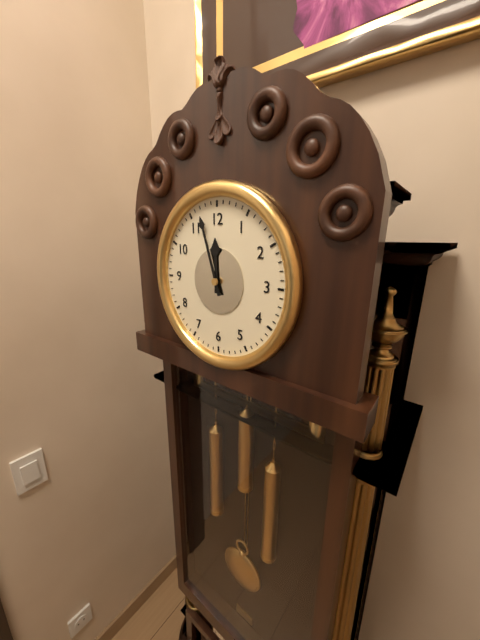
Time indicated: 11:57
